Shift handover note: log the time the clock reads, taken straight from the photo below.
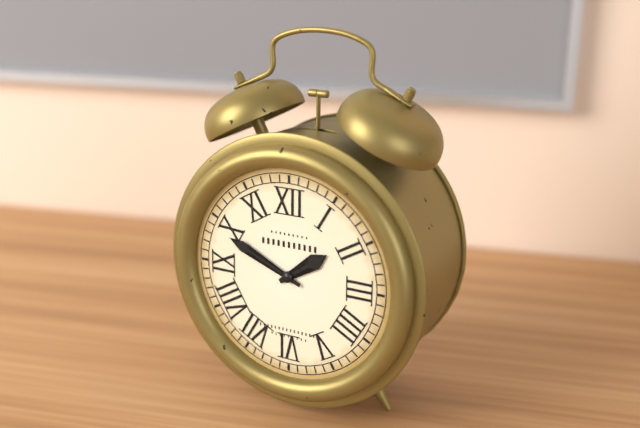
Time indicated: 1:49
